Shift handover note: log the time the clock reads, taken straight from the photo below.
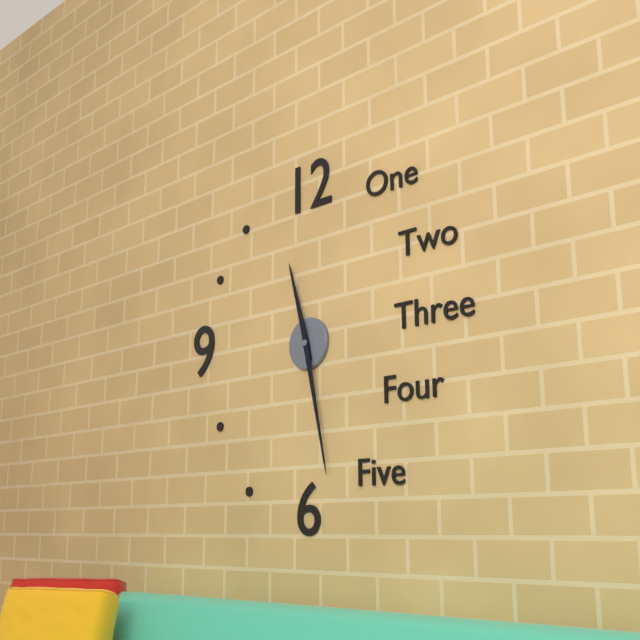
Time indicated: 11:28
